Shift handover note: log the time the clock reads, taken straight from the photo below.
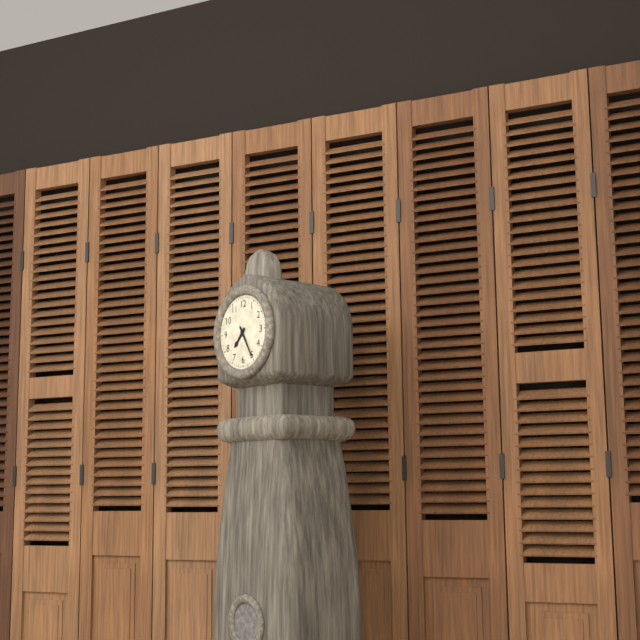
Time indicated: 7:25
